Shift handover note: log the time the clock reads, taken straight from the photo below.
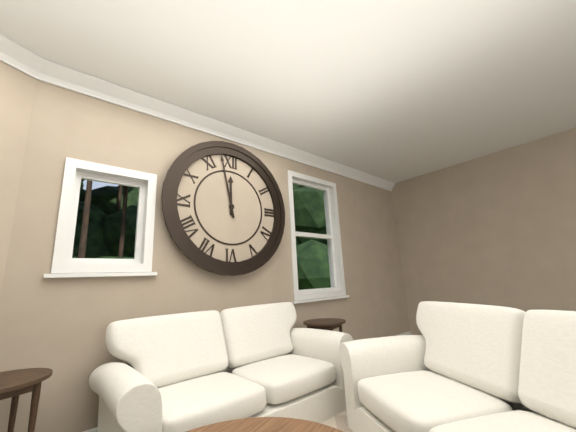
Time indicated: 11:58
